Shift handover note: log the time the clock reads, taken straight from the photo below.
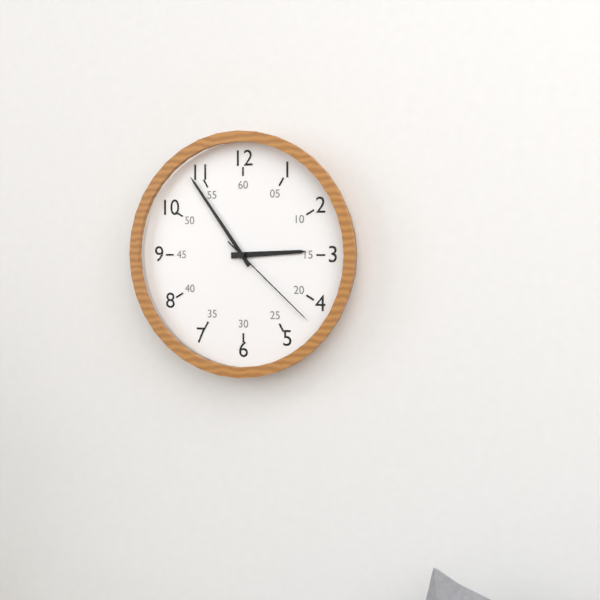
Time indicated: 2:54:22
